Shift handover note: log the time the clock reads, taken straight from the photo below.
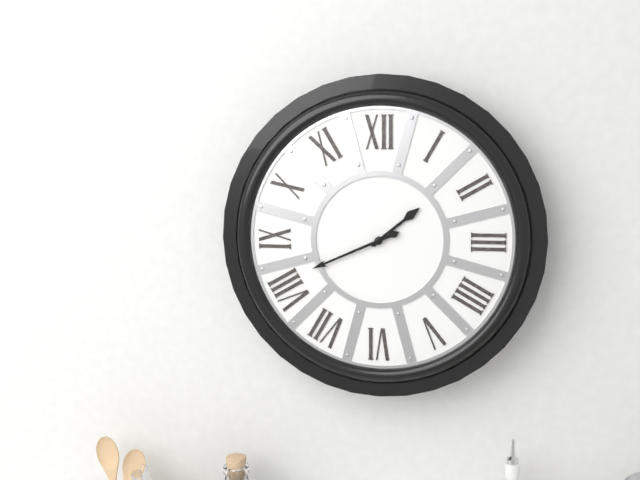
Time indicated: 1:41
